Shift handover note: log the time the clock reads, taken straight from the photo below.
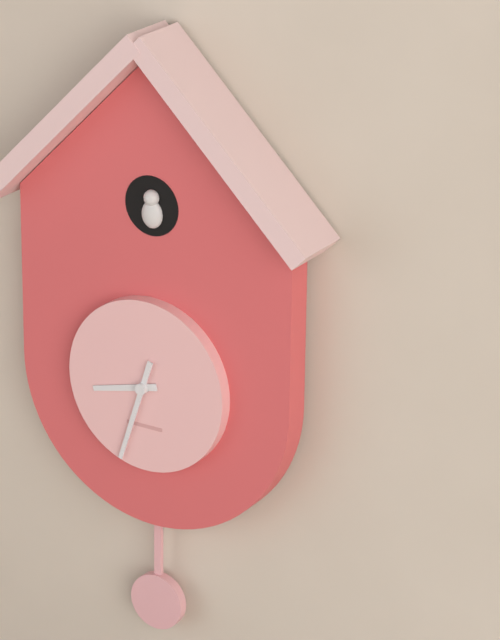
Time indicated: 8:33
